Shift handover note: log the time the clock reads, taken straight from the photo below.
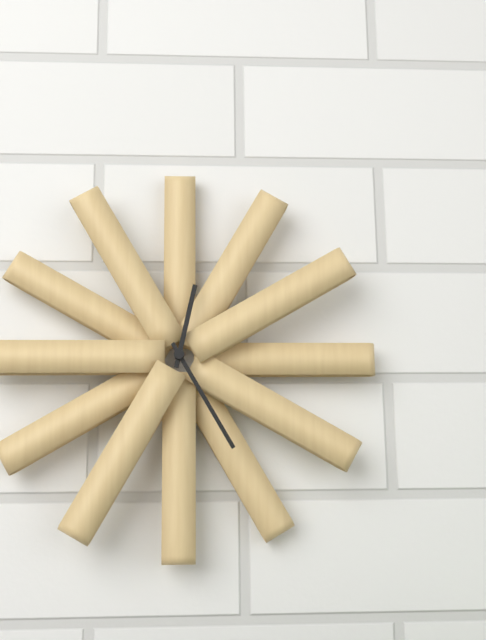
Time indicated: 12:25
